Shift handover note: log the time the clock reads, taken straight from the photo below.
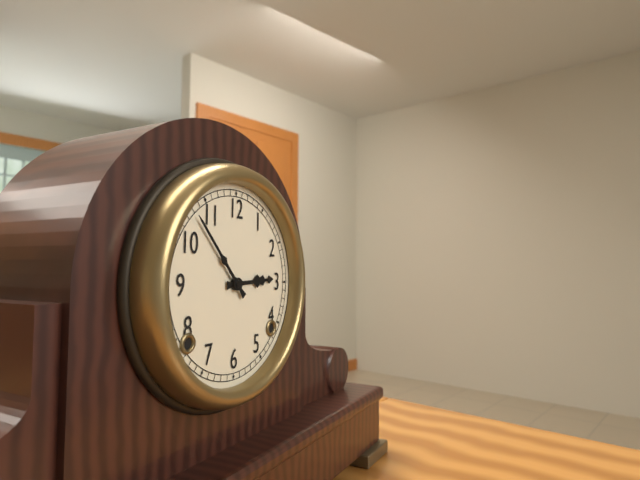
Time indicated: 2:53
